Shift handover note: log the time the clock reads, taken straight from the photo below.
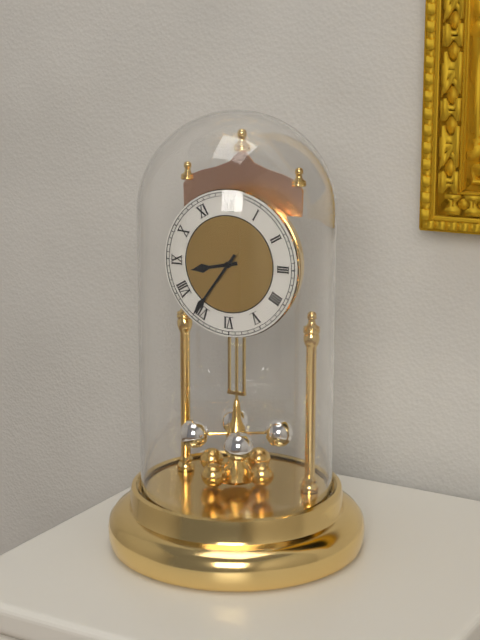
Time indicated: 8:36
